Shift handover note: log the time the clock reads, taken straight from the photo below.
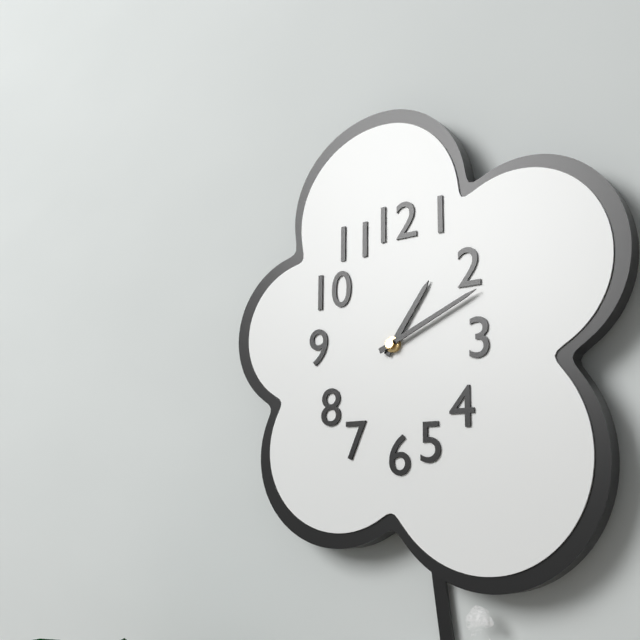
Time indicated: 1:11
